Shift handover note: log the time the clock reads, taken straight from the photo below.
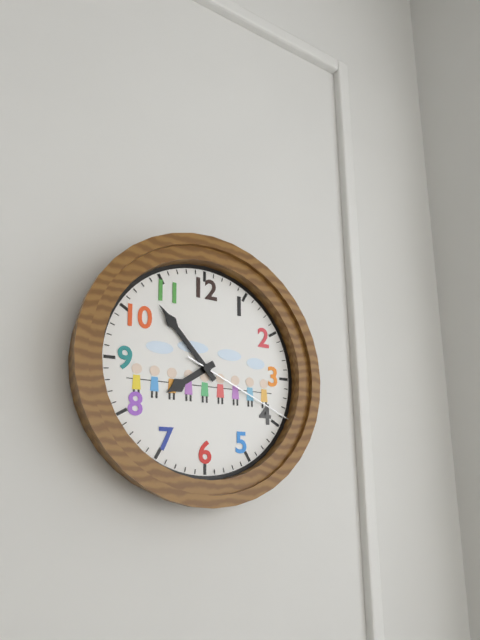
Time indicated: 7:53:19
